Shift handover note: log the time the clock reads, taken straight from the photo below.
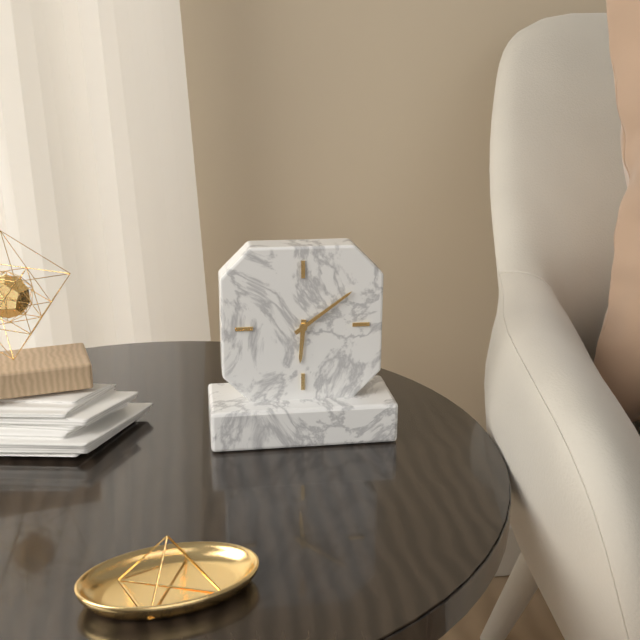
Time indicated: 6:09
